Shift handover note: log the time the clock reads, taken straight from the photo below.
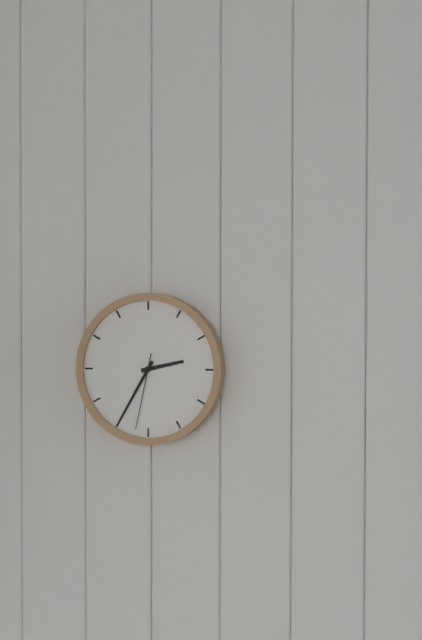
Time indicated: 2:35:32
